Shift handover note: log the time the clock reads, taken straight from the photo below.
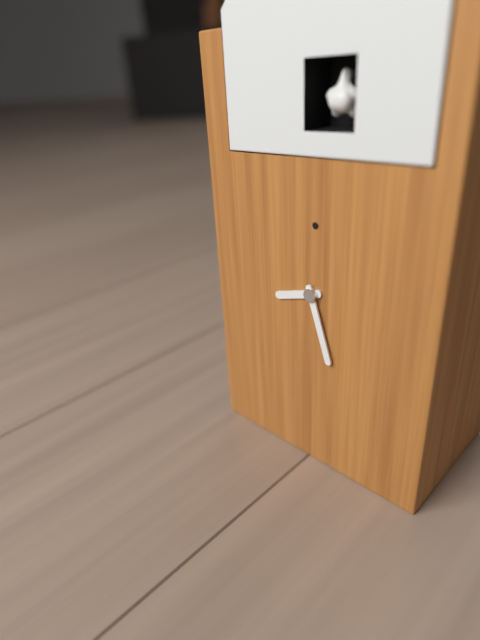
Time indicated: 8:27
